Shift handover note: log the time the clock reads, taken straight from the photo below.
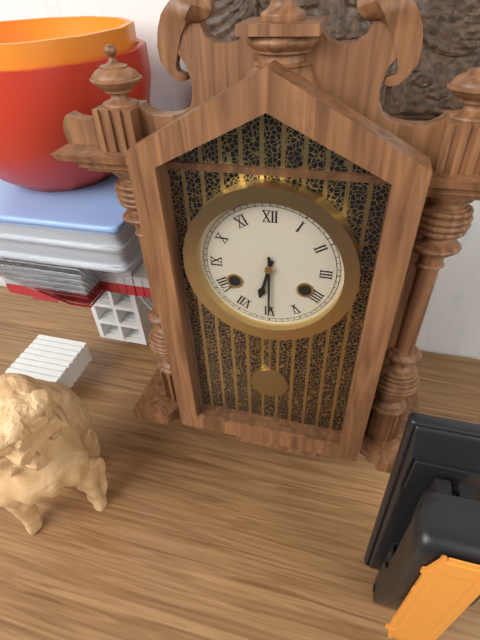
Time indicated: 6:30
